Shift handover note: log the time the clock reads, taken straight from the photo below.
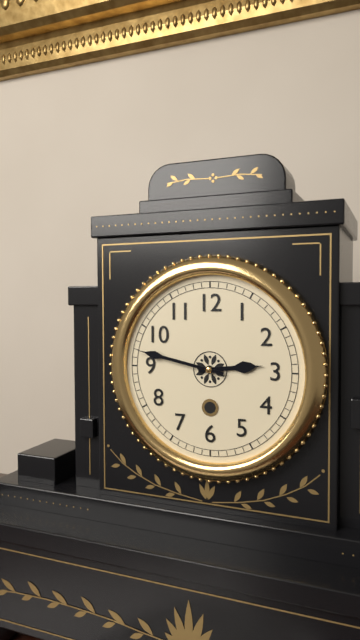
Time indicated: 2:47
